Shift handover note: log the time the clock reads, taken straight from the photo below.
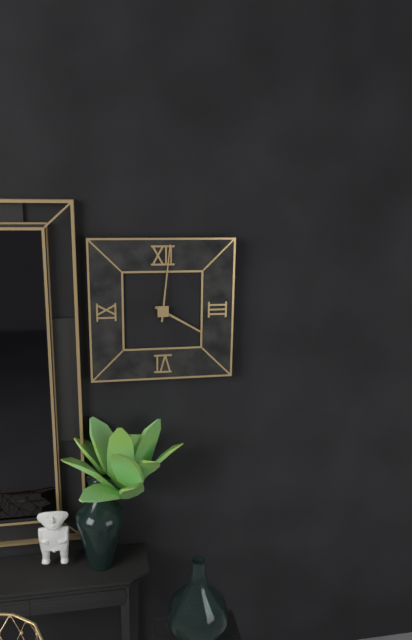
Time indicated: 4:01
